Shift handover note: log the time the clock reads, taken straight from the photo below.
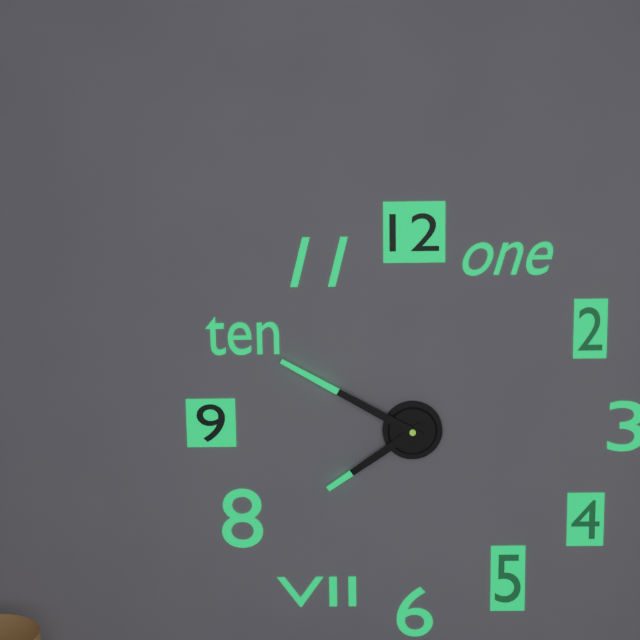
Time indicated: 7:50
